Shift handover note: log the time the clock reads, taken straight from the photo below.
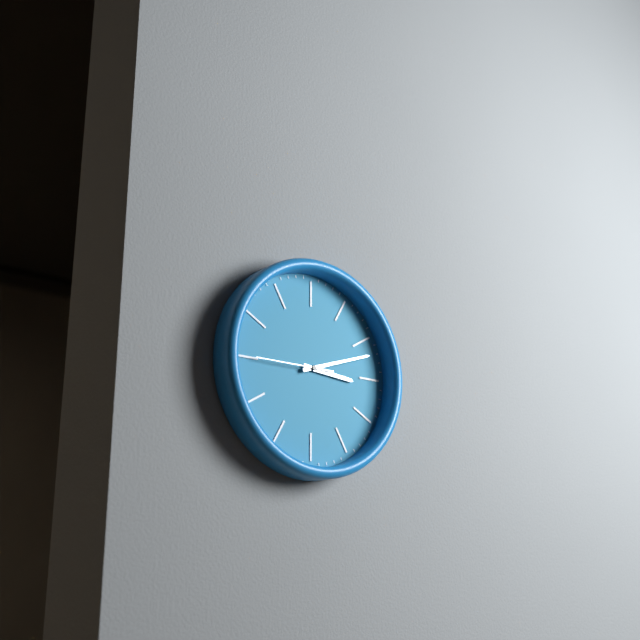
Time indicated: 3:12:45
